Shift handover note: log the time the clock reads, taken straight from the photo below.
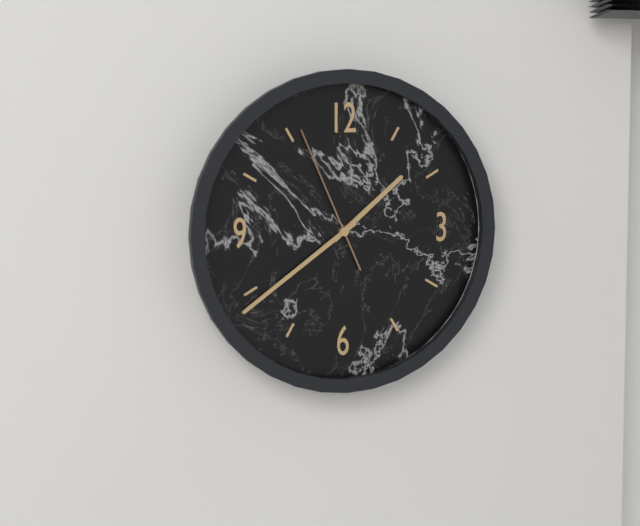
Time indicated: 1:39:56
